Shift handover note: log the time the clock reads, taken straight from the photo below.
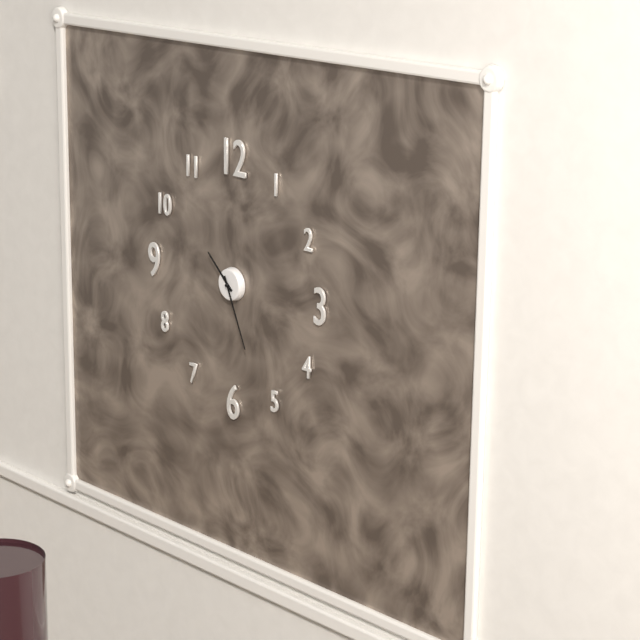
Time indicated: 10:26
